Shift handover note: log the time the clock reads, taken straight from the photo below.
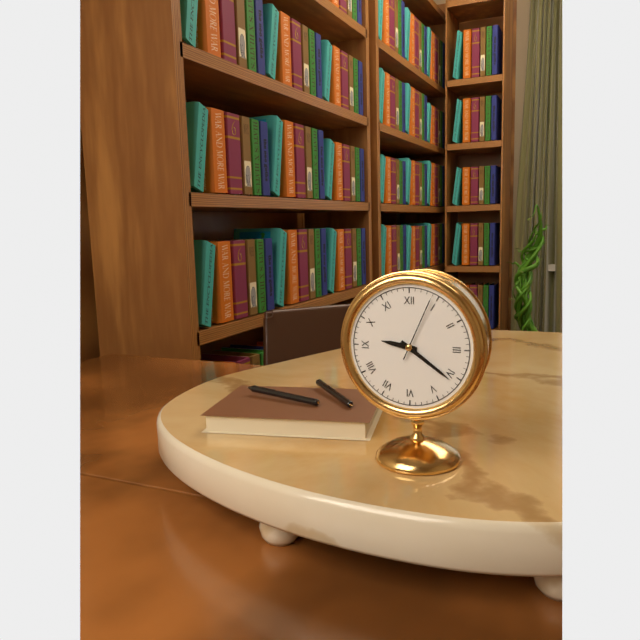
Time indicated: 9:21:04
